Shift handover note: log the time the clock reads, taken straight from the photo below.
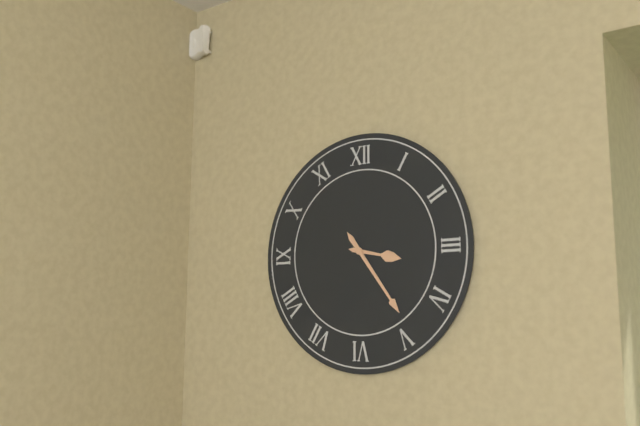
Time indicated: 3:24
